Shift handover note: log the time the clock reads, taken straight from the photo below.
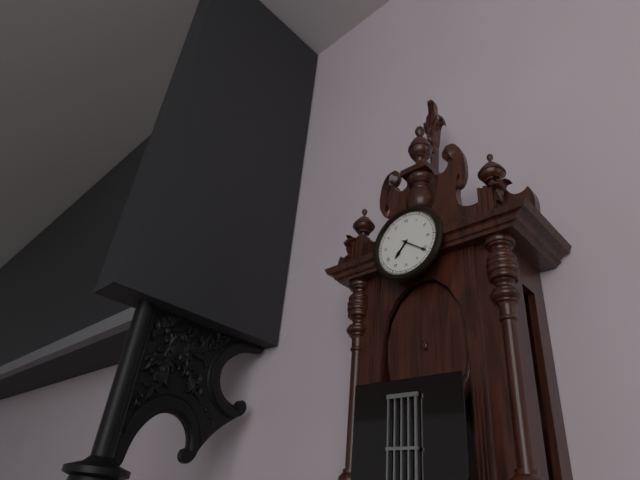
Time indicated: 7:21
